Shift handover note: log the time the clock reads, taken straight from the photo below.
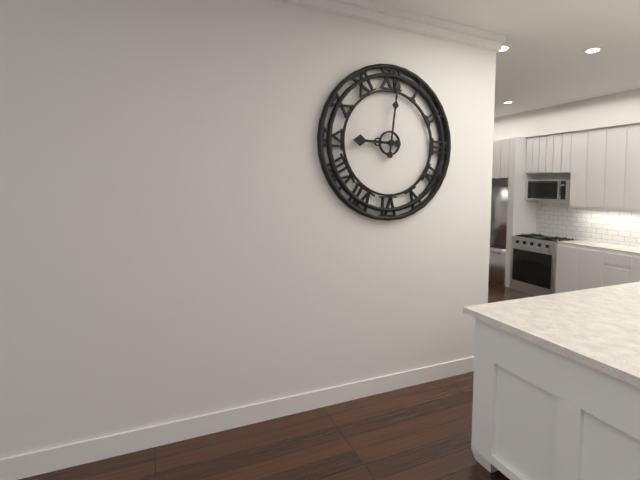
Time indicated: 9:01
